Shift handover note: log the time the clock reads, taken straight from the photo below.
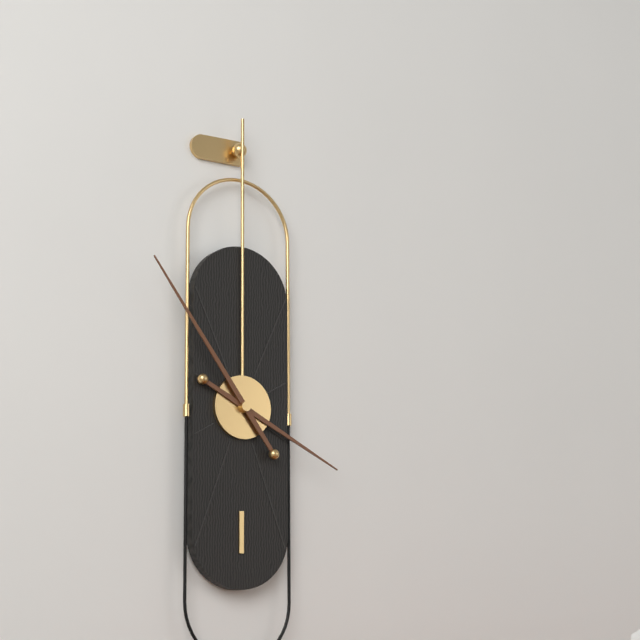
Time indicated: 3:54
